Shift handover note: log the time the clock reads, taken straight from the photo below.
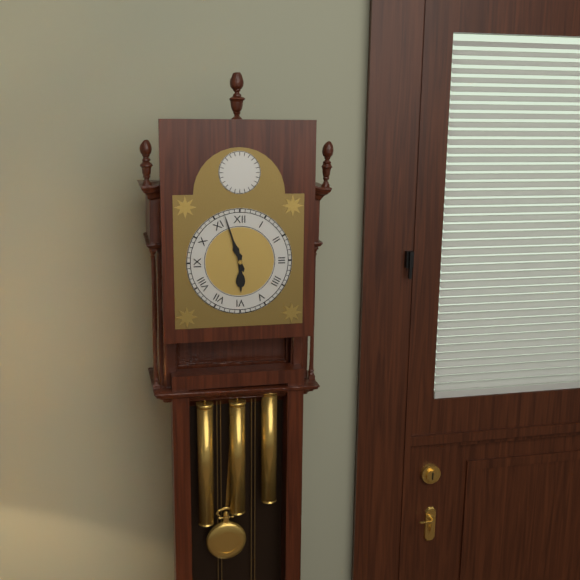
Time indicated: 5:57
